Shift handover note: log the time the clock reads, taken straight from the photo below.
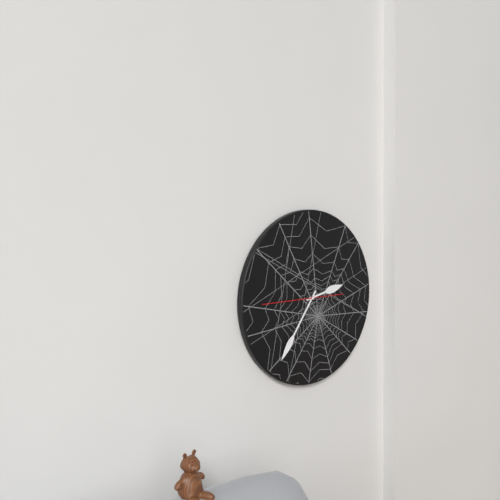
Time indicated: 2:36:45
